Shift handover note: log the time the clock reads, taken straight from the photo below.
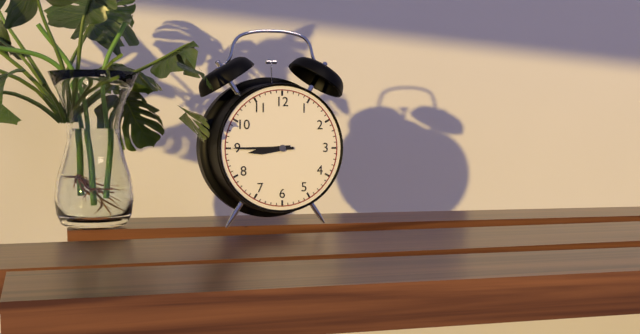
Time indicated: 8:45
